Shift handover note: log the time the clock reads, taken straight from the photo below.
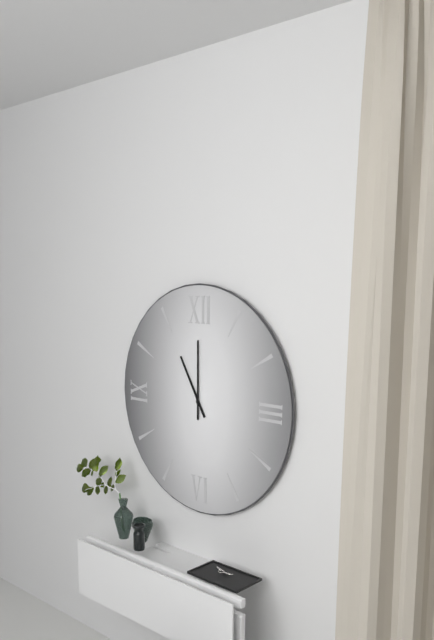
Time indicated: 11:00
